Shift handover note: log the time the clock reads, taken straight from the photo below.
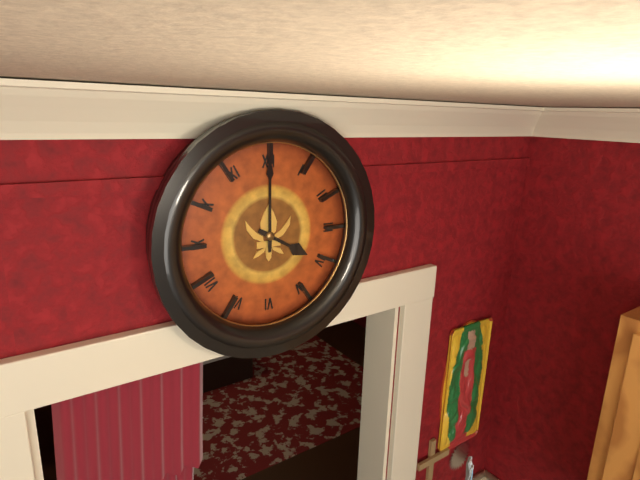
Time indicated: 4:00
